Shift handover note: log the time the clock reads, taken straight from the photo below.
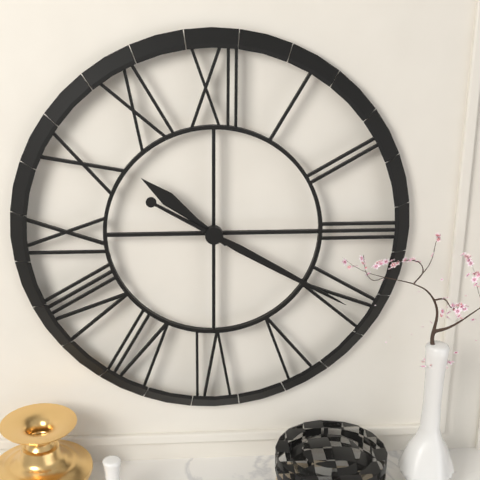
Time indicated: 10:20
